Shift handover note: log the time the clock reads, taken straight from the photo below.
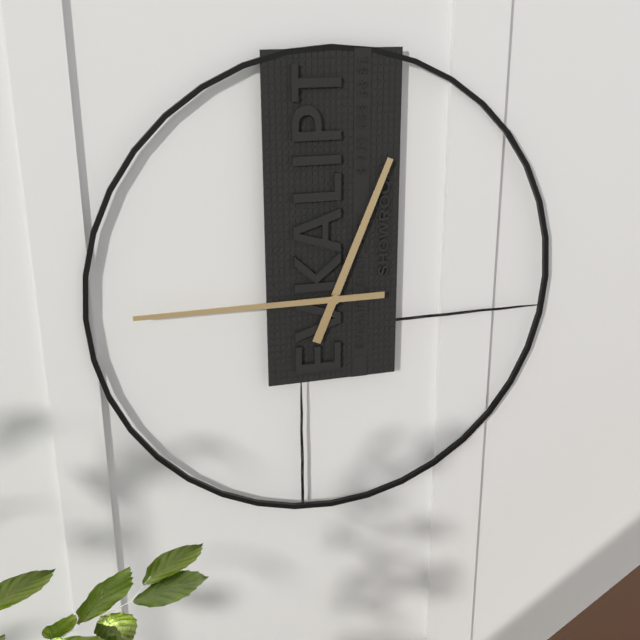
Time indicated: 12:45
